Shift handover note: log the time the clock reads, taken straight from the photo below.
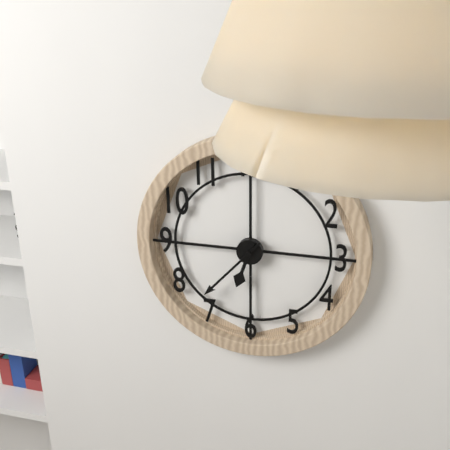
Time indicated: 6:37
